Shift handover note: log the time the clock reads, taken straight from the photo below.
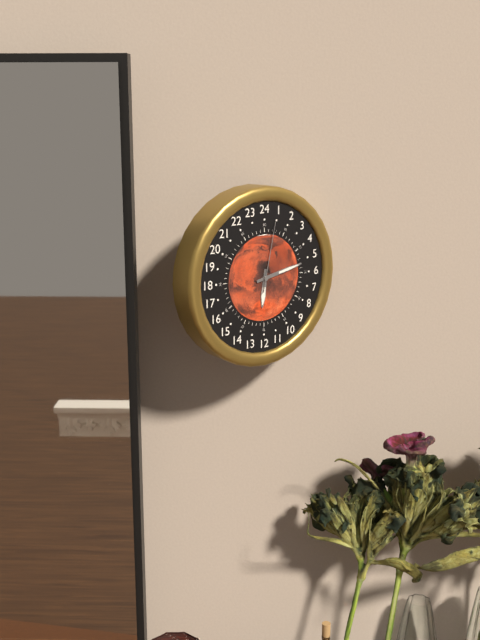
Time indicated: 6:13:02
